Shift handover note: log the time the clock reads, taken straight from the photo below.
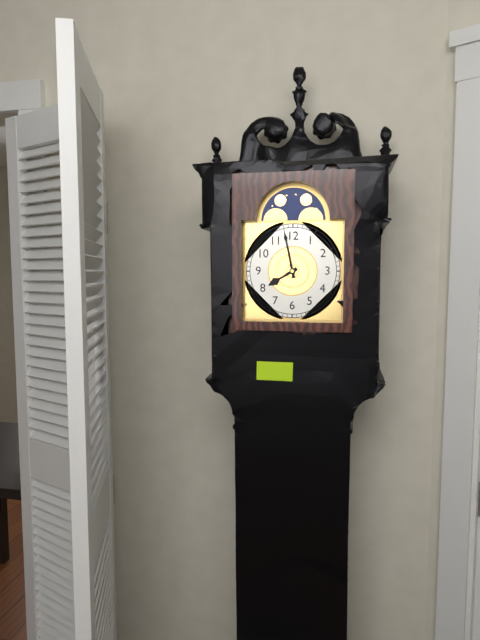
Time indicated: 7:58
